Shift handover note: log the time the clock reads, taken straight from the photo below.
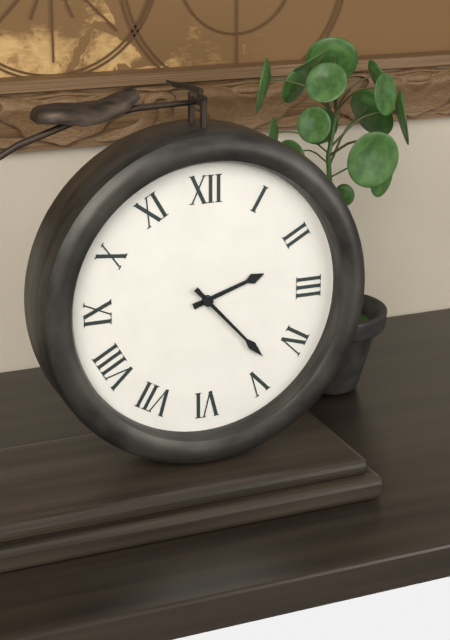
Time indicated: 2:23
